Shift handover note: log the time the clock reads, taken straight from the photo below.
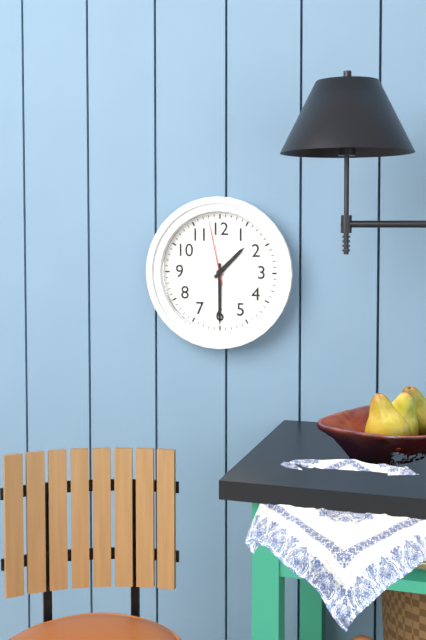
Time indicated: 1:30:58
